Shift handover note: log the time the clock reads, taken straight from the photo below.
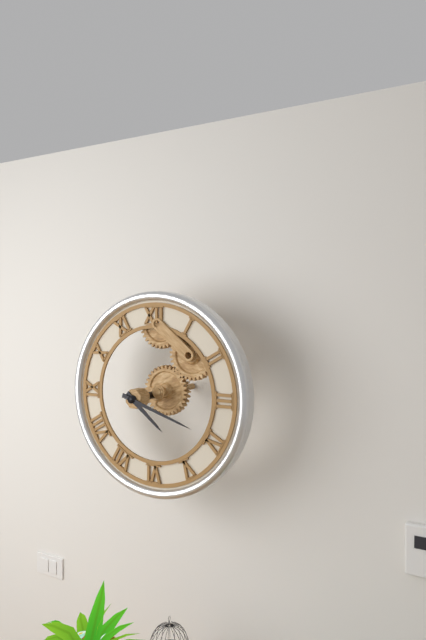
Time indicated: 4:18
